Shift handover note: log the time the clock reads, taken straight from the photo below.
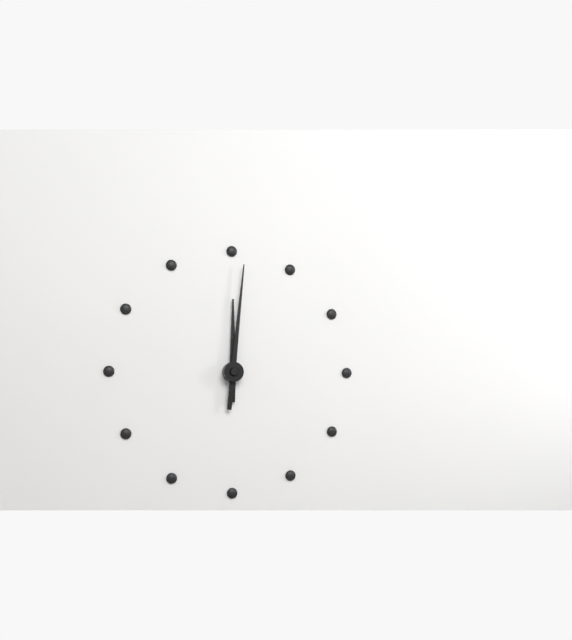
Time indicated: 12:01
